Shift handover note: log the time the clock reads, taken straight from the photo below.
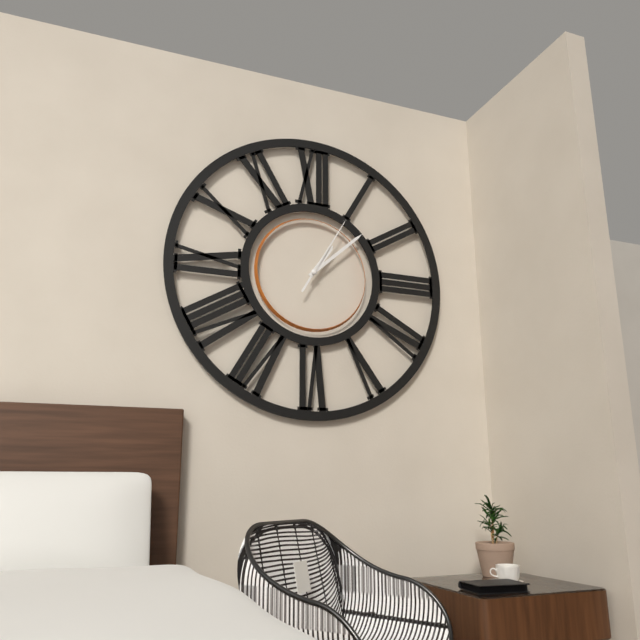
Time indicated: 1:08:05
